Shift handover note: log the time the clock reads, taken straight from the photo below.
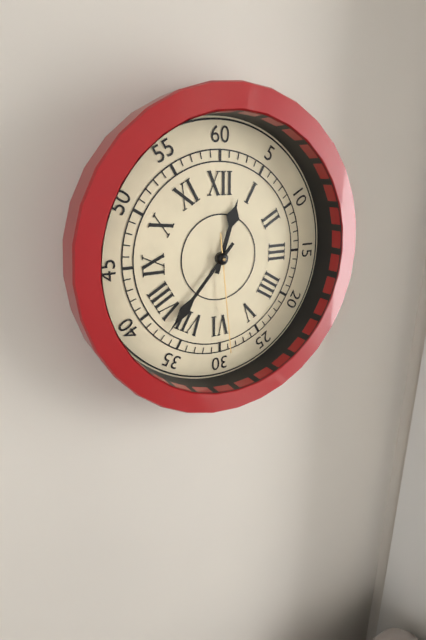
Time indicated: 12:37:29
